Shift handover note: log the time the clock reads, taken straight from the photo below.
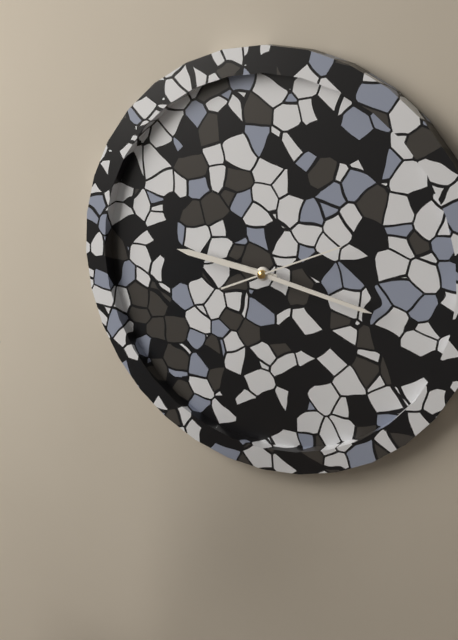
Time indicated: 9:17:11
